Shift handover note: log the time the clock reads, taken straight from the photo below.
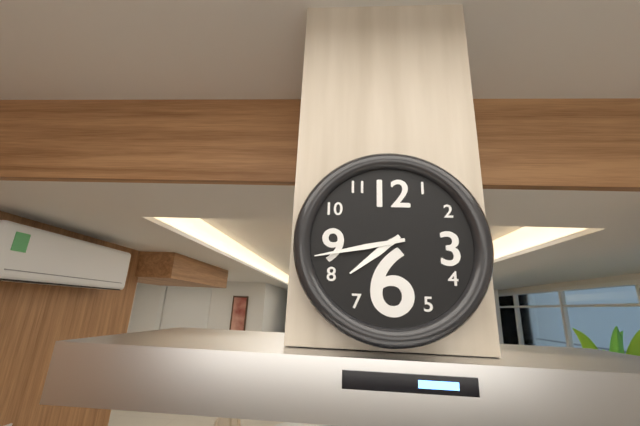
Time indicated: 7:43
